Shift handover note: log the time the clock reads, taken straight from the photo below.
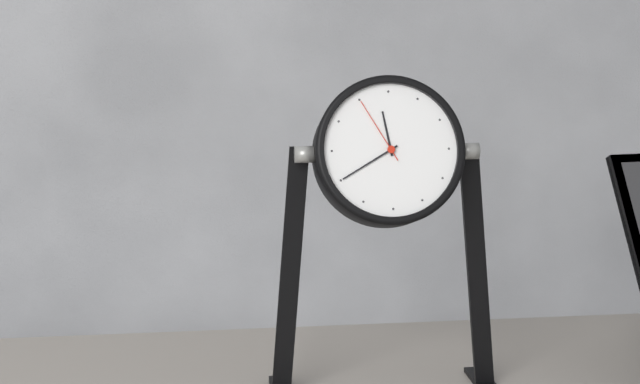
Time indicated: 11:40:55
